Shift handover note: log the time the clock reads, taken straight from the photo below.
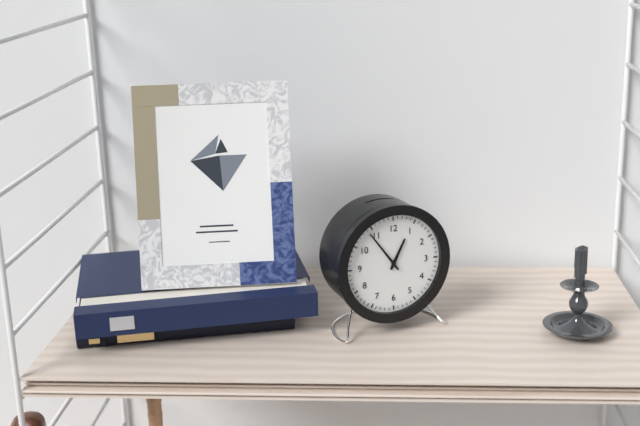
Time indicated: 12:54
